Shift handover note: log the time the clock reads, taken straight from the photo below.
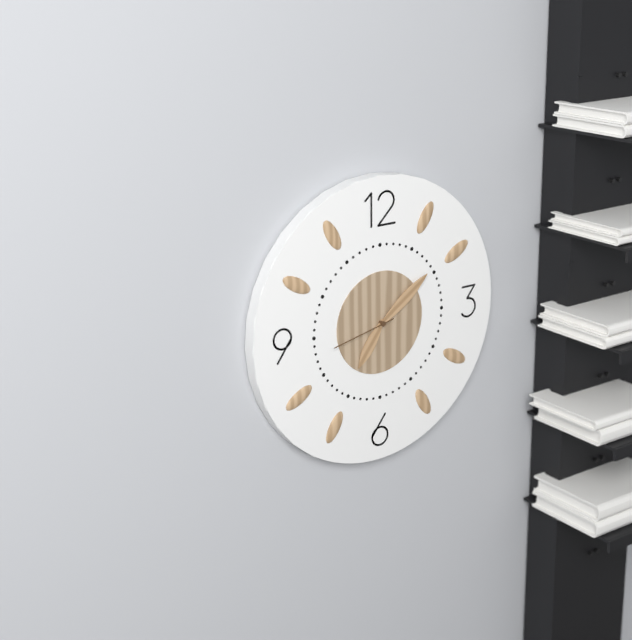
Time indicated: 7:09:43
